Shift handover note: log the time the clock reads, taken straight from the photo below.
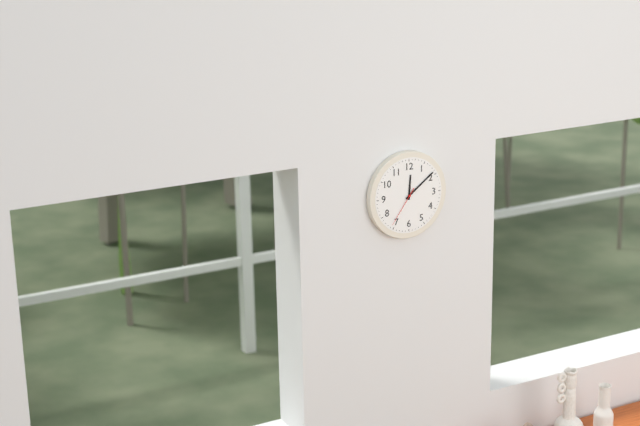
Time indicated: 12:09
